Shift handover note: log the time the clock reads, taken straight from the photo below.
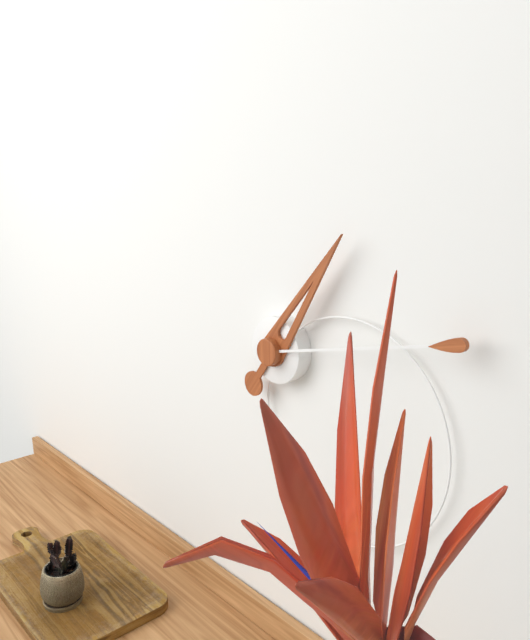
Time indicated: 1:13
